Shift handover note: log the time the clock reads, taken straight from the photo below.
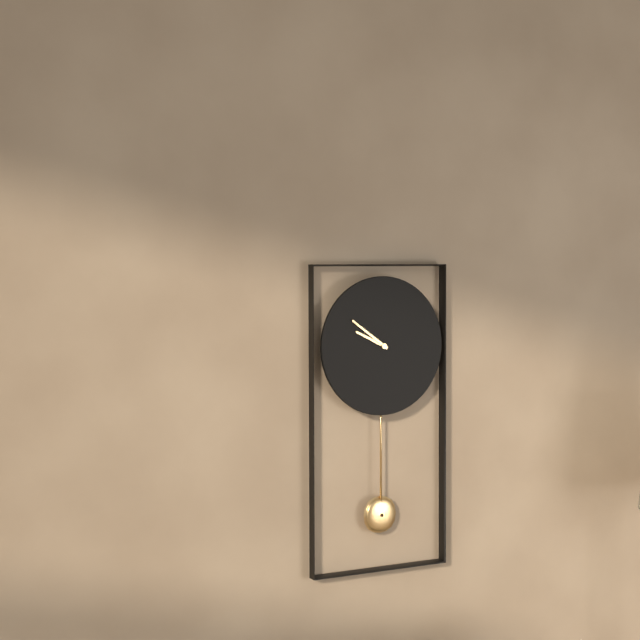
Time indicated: 9:51
